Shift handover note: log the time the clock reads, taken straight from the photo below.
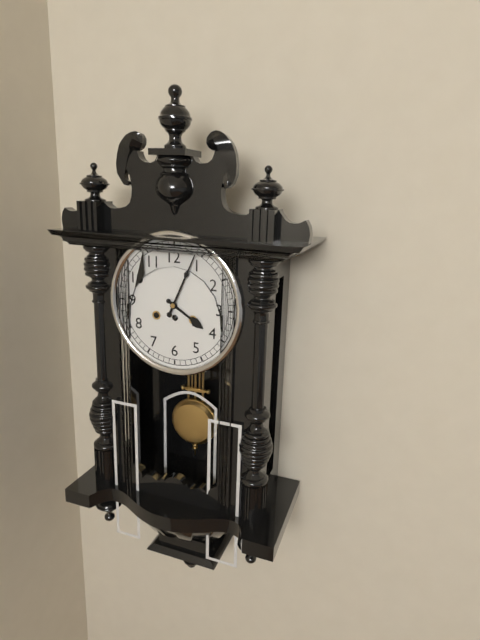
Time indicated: 4:04
